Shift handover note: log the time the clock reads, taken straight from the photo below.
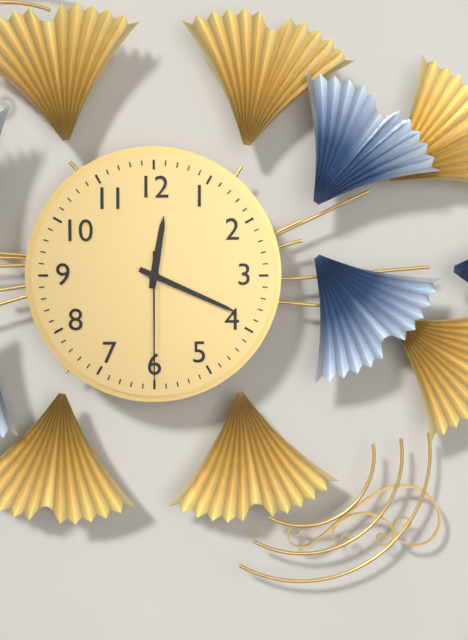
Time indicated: 12:19:30
